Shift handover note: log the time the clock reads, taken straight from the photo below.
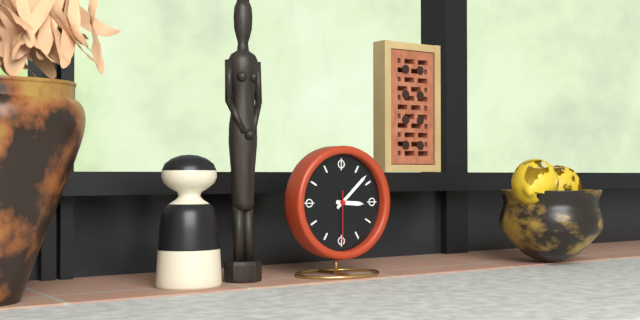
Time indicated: 3:08:30
